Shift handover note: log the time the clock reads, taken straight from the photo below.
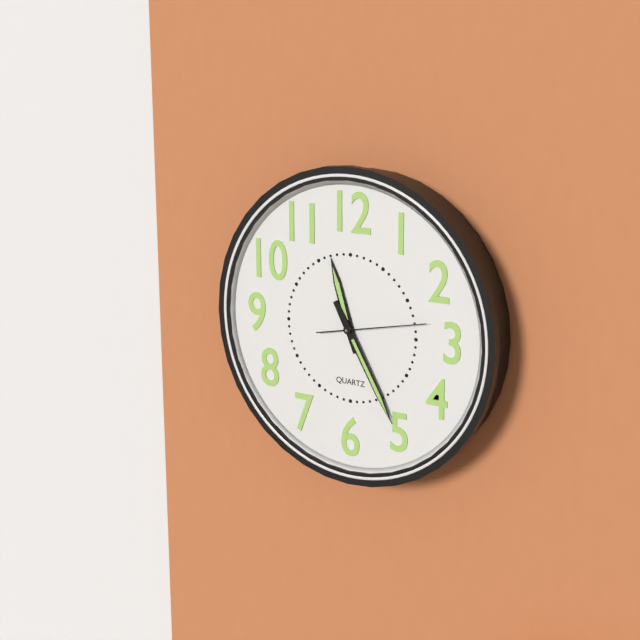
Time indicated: 11:25:13
